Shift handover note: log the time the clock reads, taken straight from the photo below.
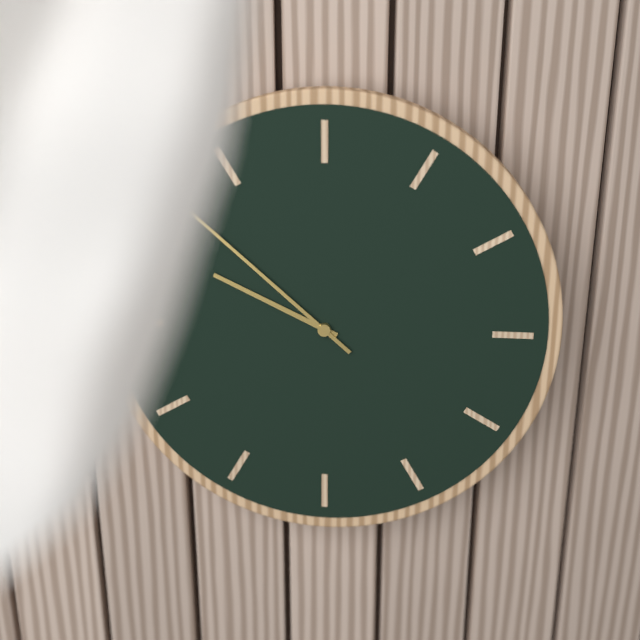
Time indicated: 9:52
